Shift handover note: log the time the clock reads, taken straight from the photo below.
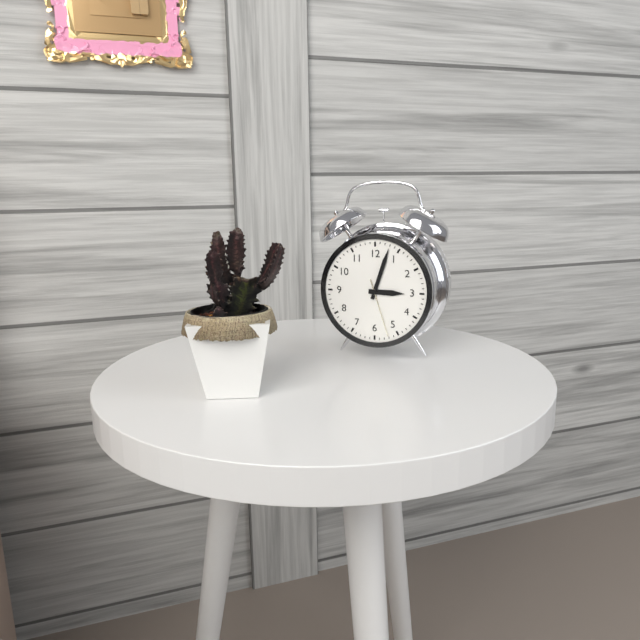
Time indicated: 3:03:27
